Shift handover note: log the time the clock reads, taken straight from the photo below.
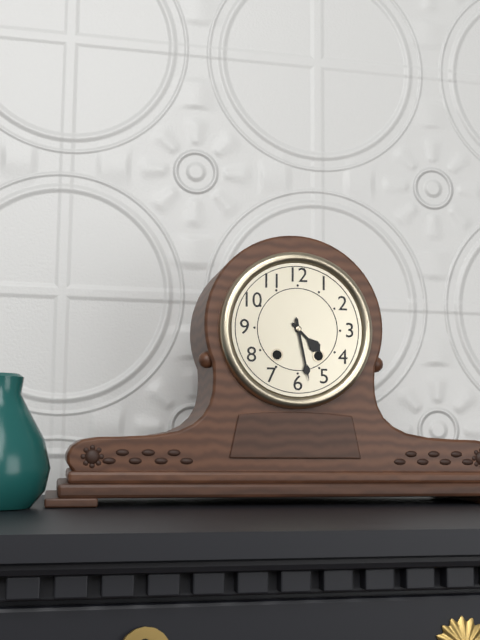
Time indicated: 4:28
